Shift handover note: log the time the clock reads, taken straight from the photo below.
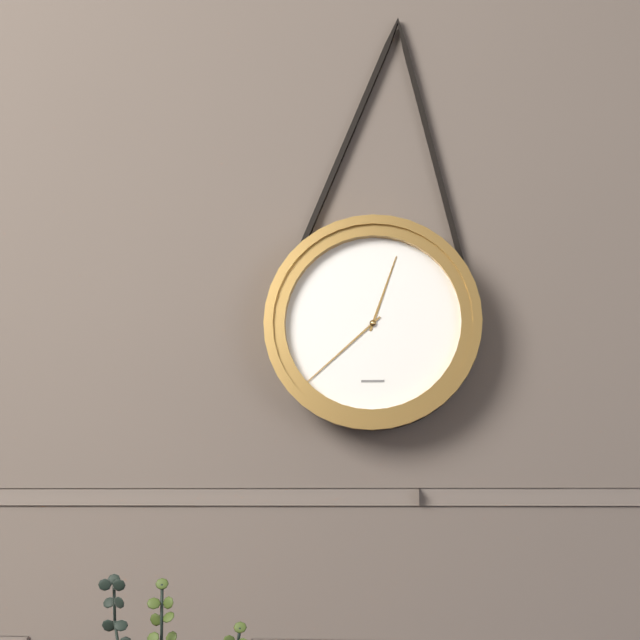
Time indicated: 12:38
